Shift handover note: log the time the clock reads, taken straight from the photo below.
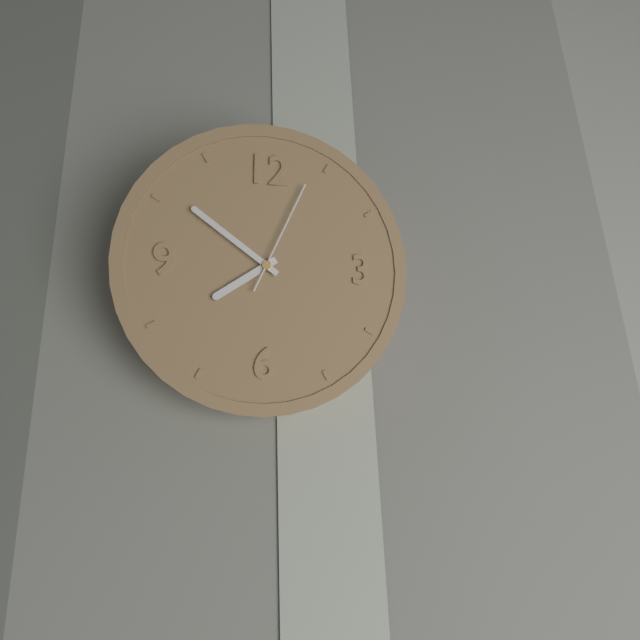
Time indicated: 7:51:04
